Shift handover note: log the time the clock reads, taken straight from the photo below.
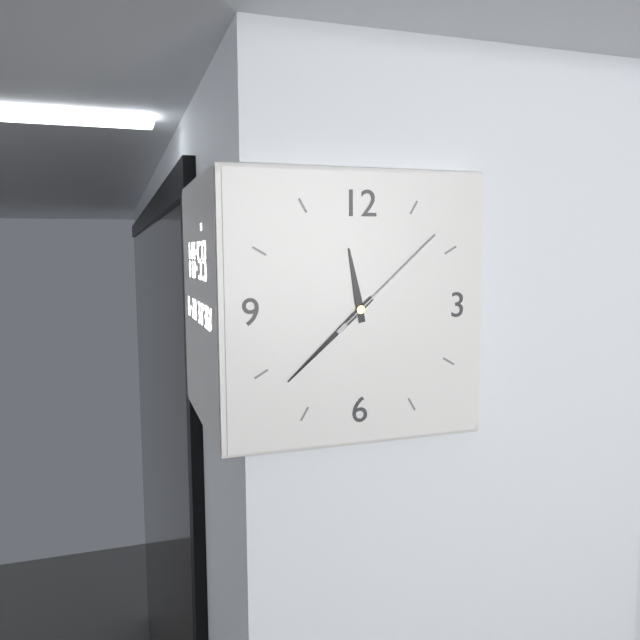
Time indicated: 11:38:08
